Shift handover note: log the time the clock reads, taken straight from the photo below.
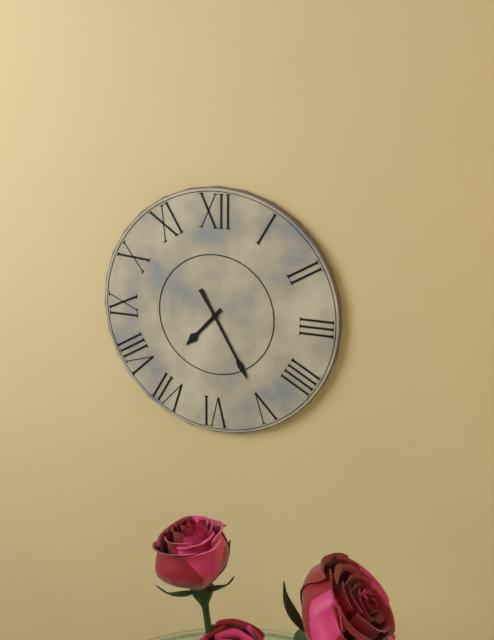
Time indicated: 7:25
